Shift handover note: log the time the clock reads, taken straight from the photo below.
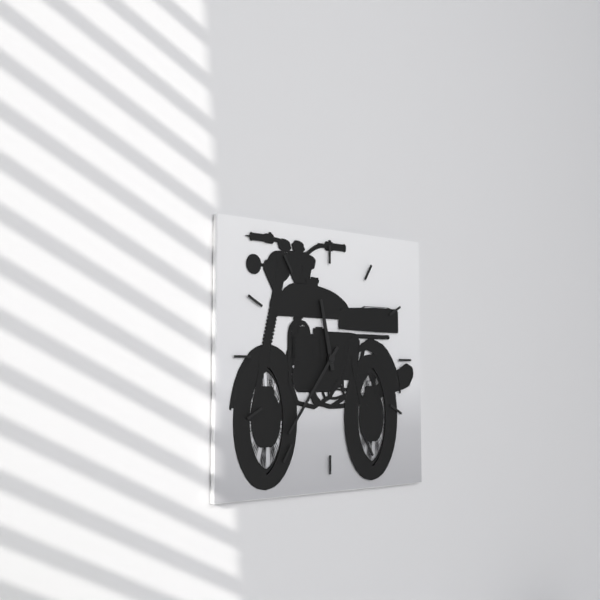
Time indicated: 11:36
